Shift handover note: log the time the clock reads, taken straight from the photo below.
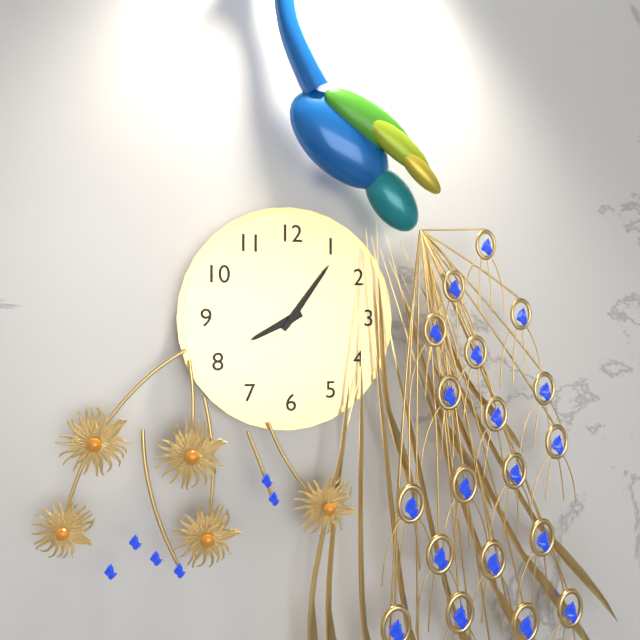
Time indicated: 8:06
